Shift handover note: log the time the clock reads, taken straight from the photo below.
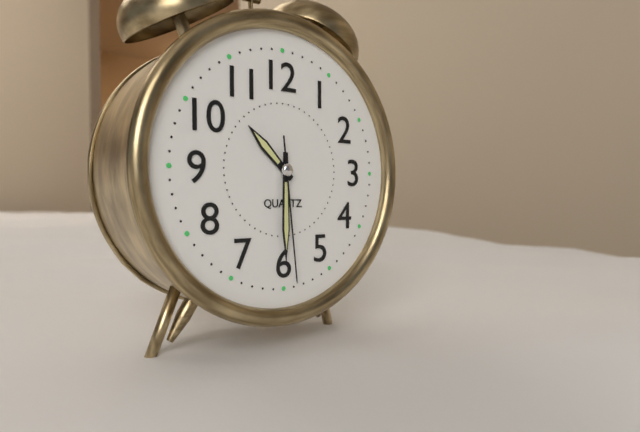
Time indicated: 10:30:29
